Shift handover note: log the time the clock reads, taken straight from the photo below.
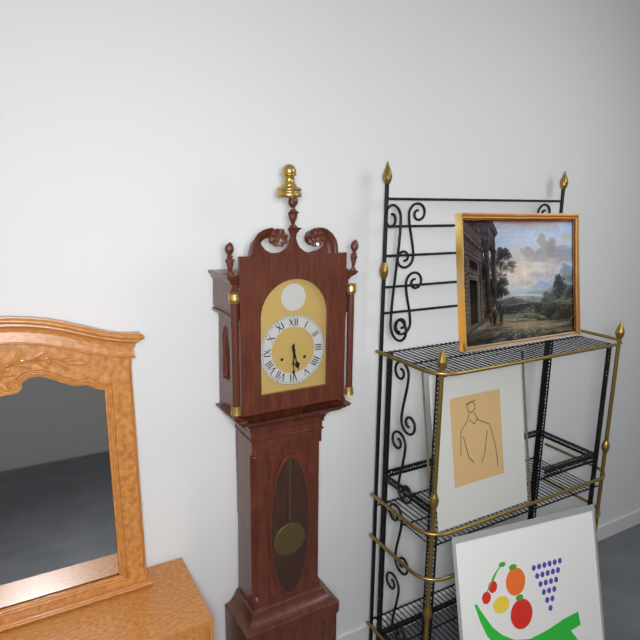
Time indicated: 5:30
